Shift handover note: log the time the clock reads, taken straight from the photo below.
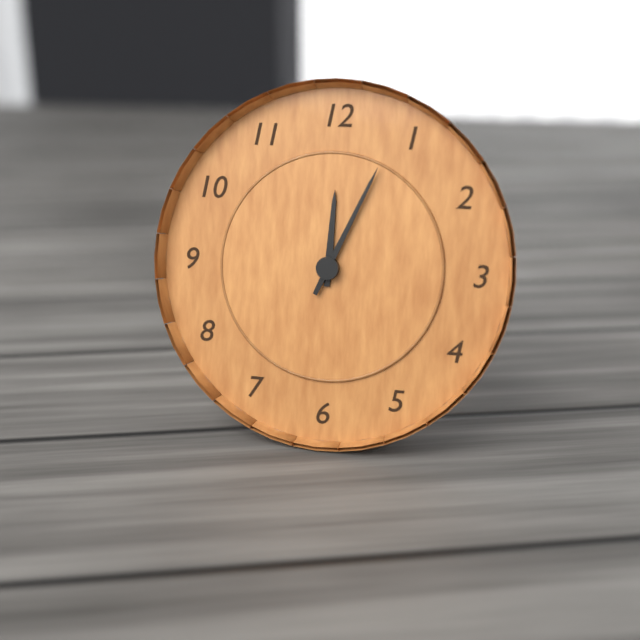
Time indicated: 12:04
